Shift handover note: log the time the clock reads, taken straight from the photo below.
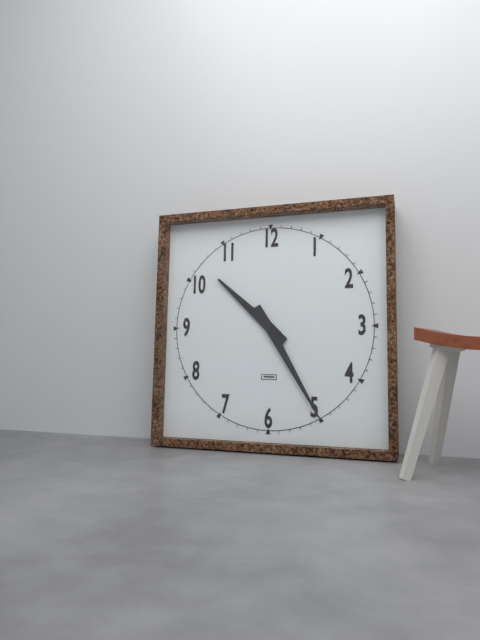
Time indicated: 10:25
